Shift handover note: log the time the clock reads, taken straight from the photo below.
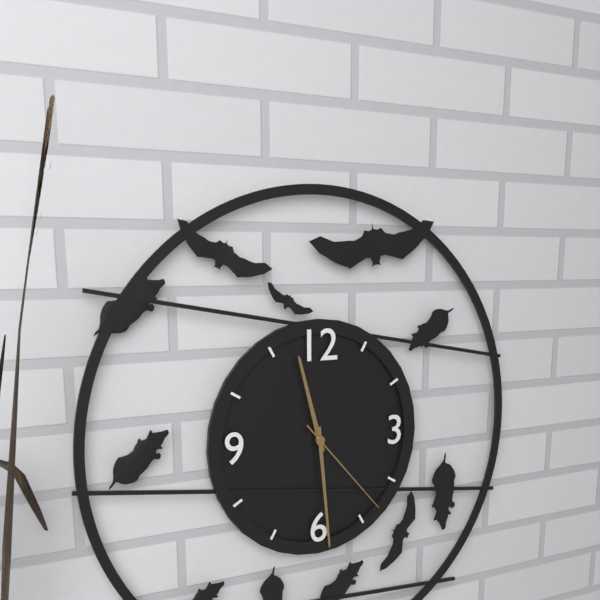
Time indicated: 11:29:23
